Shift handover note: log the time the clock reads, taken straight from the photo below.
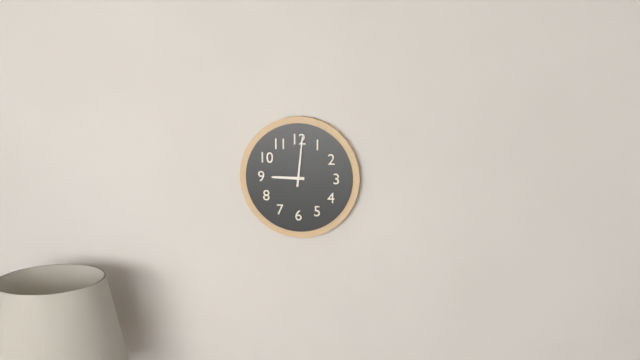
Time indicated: 9:01
